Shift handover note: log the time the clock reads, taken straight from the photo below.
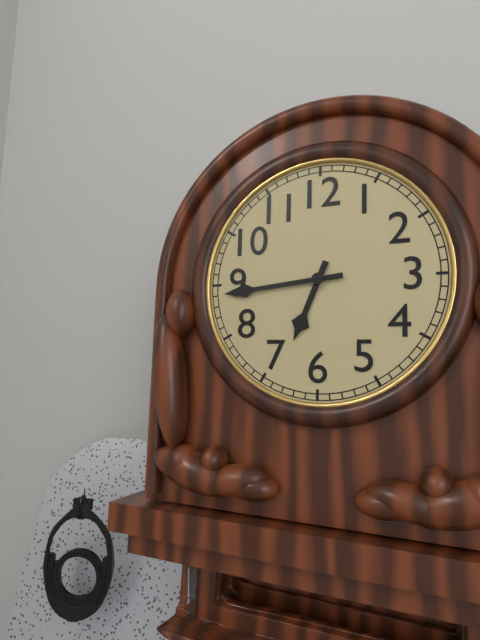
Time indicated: 6:44
